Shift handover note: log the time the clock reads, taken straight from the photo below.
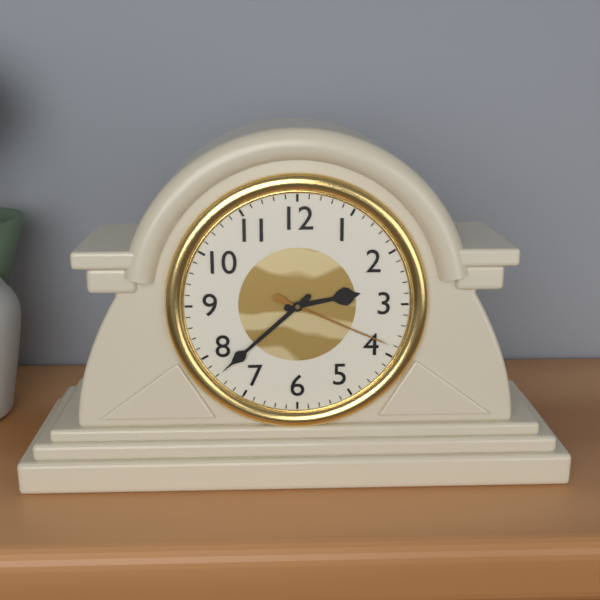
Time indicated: 2:38:19
